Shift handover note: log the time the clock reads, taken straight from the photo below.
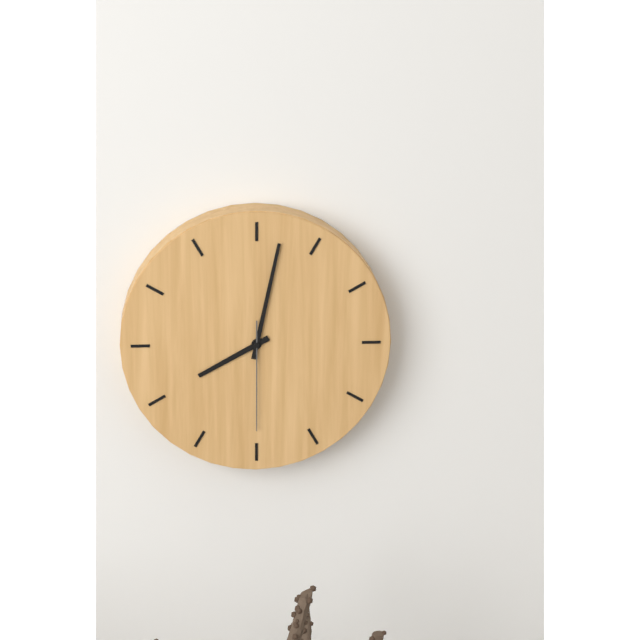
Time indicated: 8:02:30
